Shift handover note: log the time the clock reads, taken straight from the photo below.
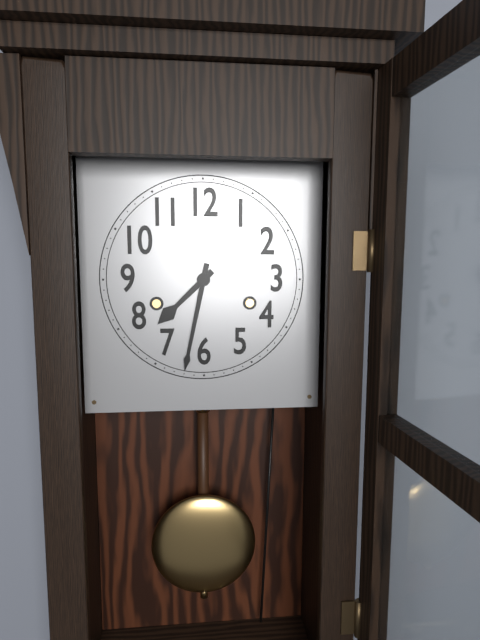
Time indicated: 7:32
